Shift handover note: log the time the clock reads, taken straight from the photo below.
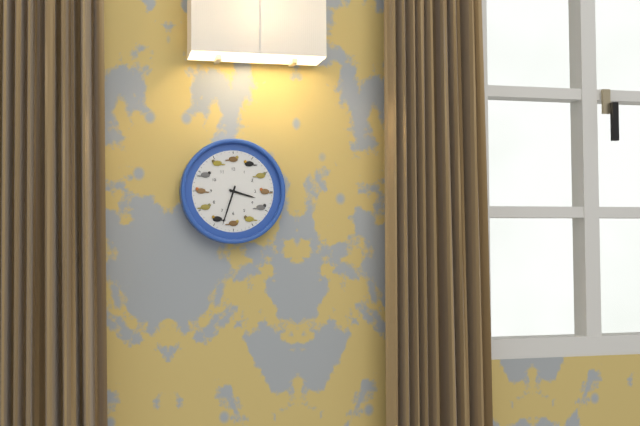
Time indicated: 3:33
